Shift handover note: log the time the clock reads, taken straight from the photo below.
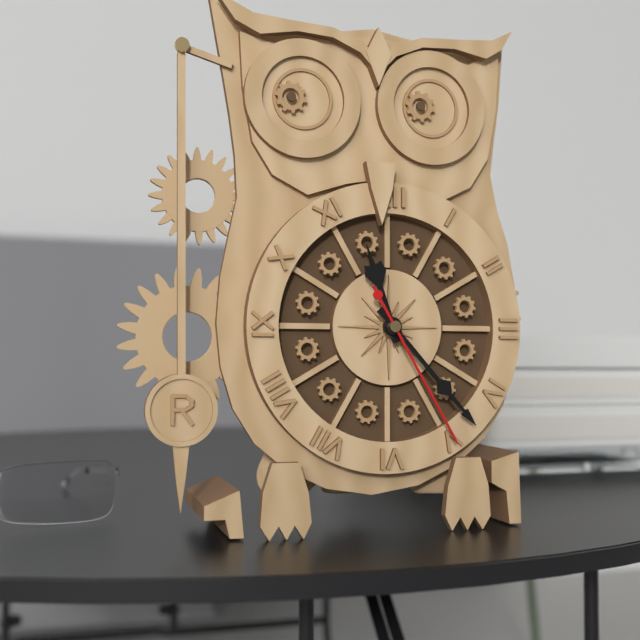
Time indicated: 11:23:25
